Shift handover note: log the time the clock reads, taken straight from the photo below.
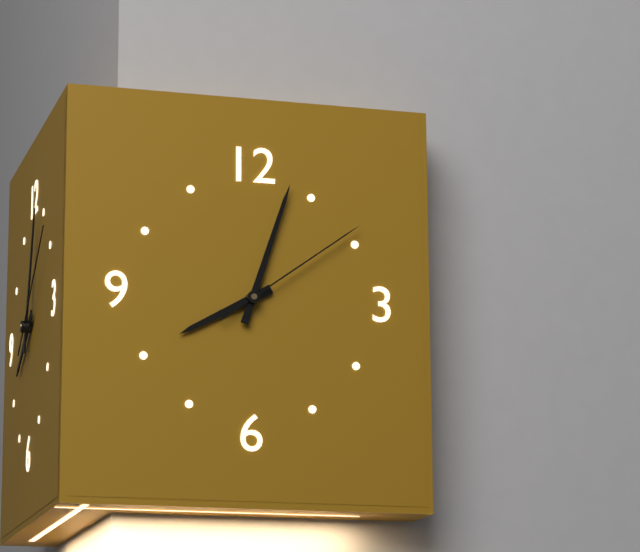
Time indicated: 8:03:09
